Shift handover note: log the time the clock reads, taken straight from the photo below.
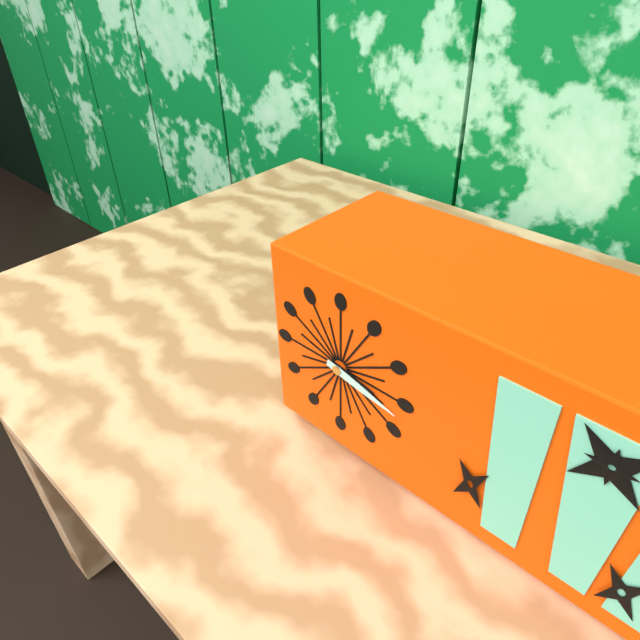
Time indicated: 3:17
